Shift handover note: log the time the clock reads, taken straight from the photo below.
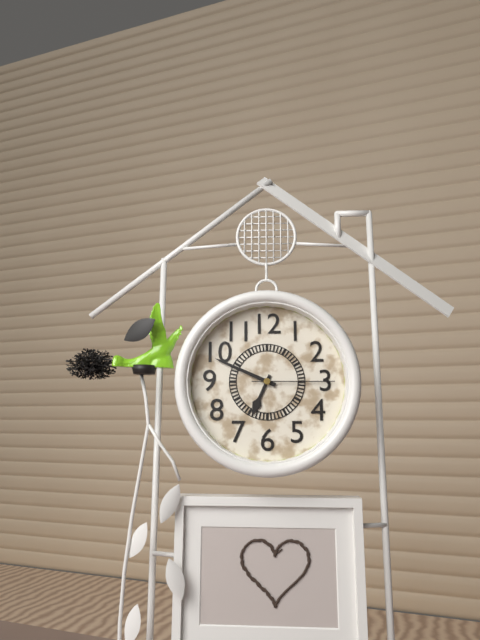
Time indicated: 6:49:15
